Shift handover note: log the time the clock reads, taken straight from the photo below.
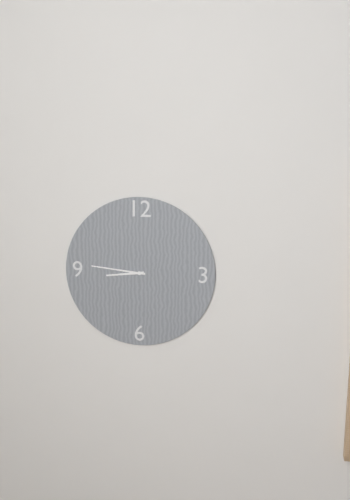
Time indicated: 8:46
